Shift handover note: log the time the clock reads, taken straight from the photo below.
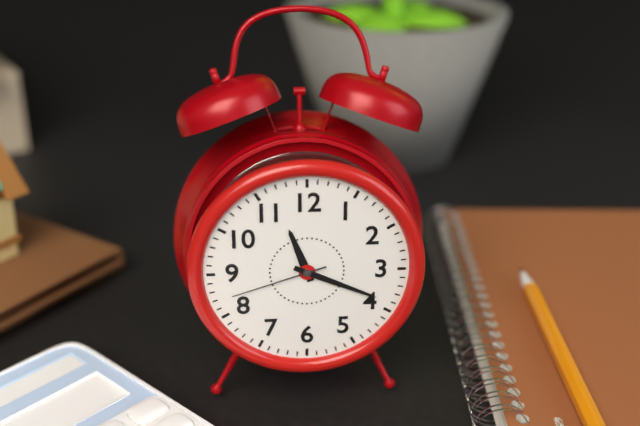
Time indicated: 11:19:42
